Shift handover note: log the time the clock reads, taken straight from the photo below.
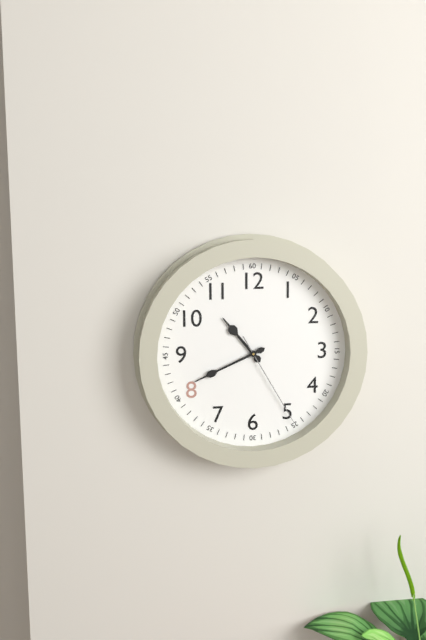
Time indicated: 10:41:25
